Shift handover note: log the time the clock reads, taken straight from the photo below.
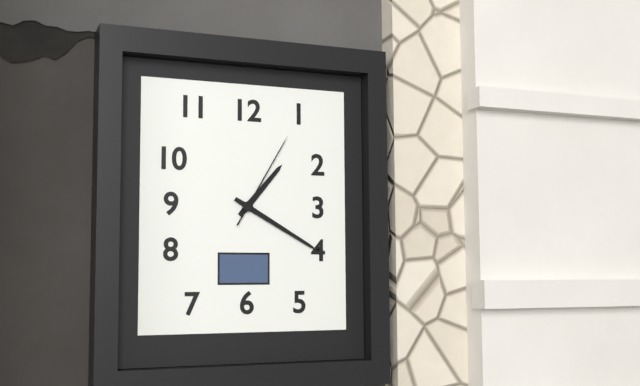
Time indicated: 1:20:05
